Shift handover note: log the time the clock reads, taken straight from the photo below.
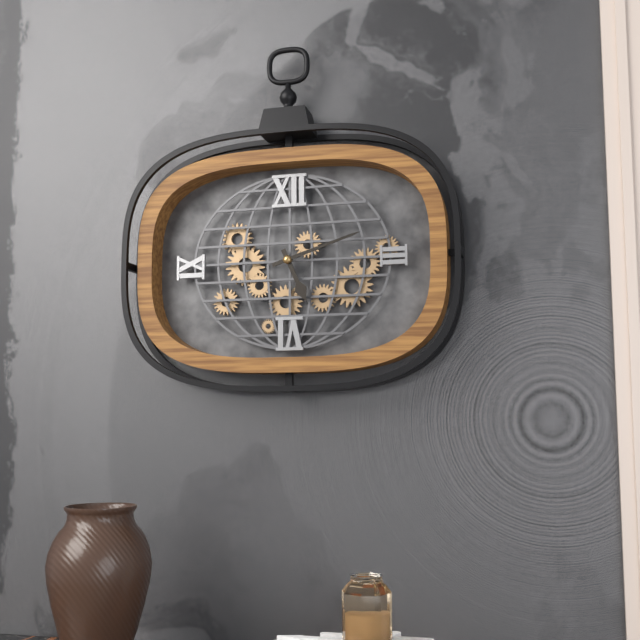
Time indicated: 5:12
